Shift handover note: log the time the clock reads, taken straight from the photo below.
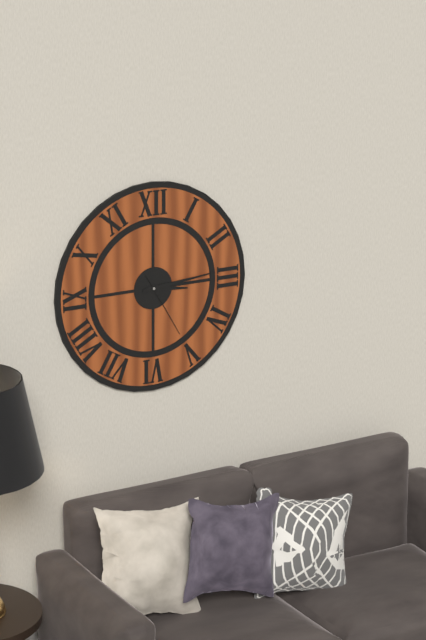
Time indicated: 3:14:25
